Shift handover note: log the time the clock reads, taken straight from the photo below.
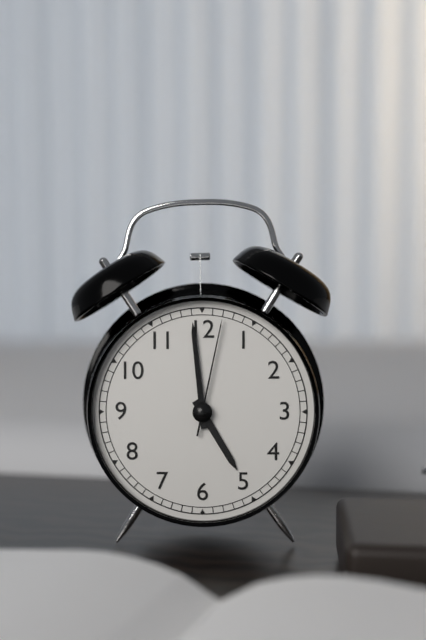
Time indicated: 4:59:02
